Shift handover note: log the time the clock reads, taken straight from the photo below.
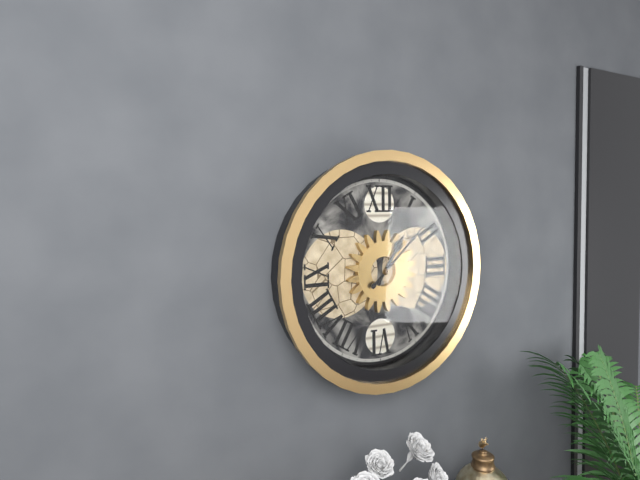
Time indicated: 1:08
